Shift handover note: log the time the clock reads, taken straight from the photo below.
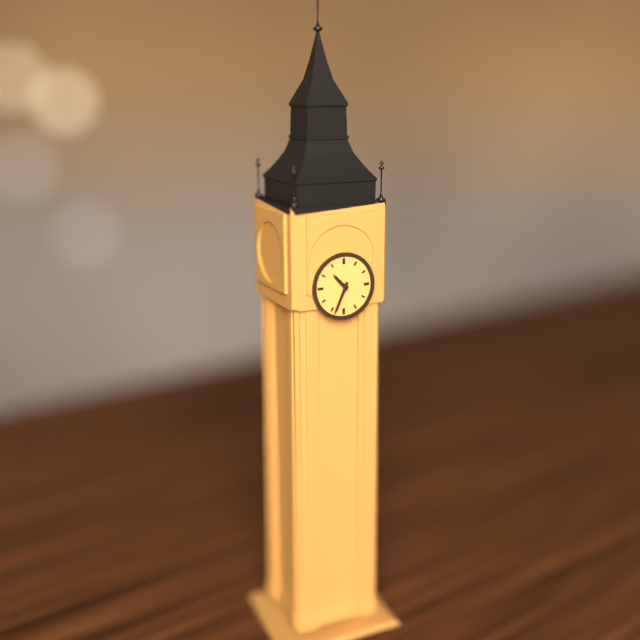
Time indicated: 10:34
